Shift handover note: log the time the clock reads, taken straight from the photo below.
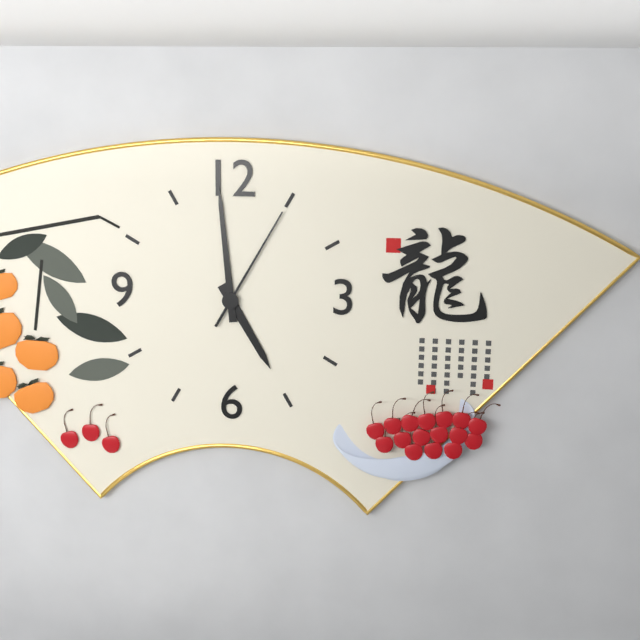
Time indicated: 4:59:05
